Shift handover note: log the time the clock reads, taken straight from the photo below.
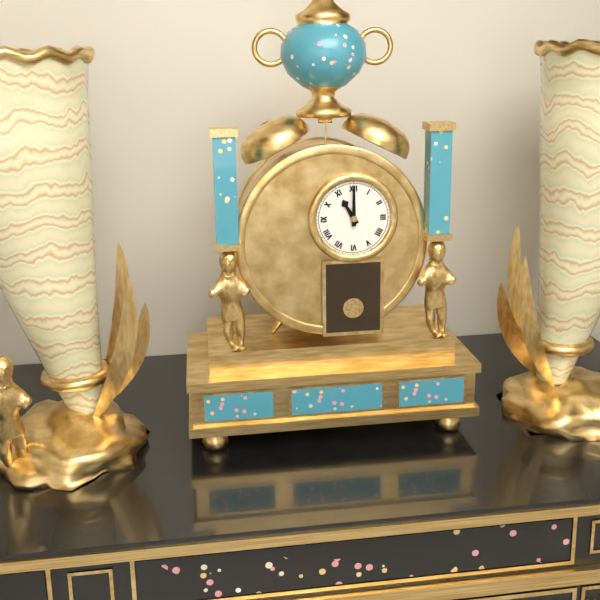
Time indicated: 11:00
